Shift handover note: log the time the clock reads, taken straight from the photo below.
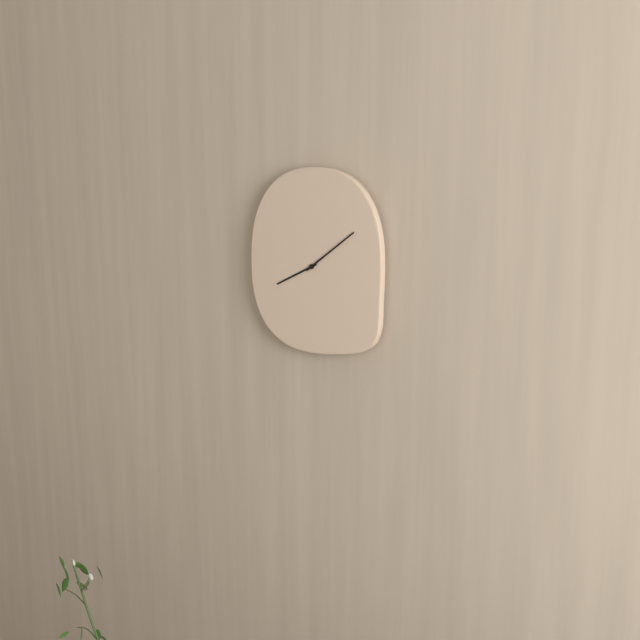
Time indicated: 8:09
